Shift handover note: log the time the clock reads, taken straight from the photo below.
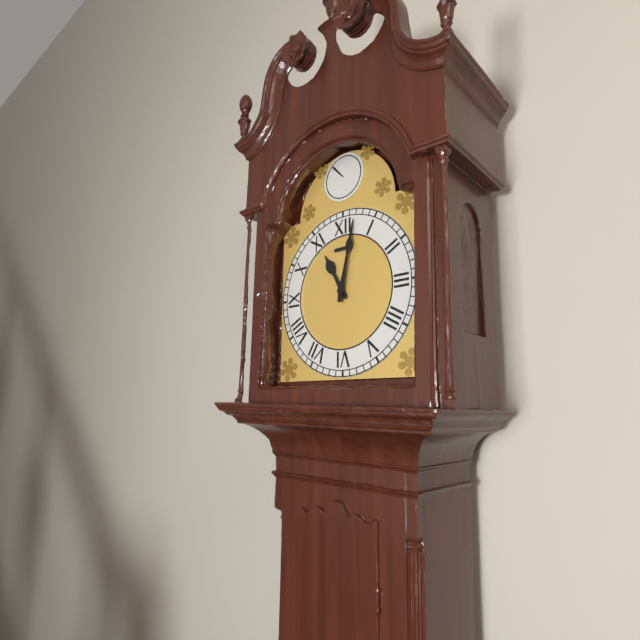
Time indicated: 11:02
